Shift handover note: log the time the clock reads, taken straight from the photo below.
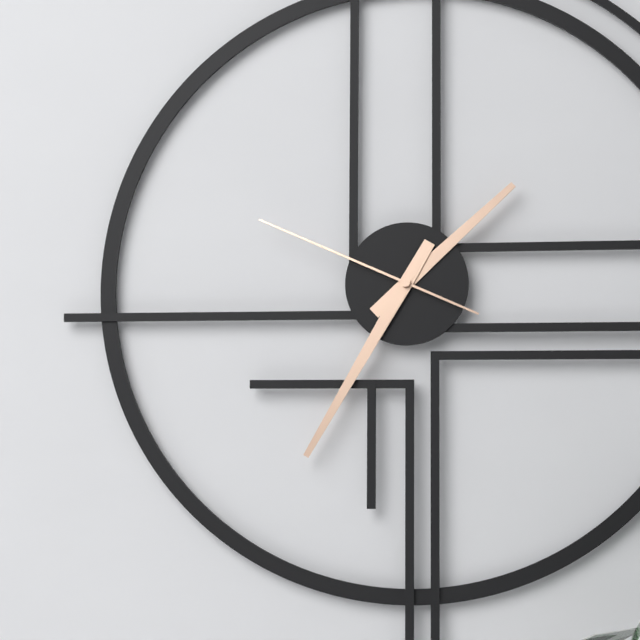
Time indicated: 1:35:49
